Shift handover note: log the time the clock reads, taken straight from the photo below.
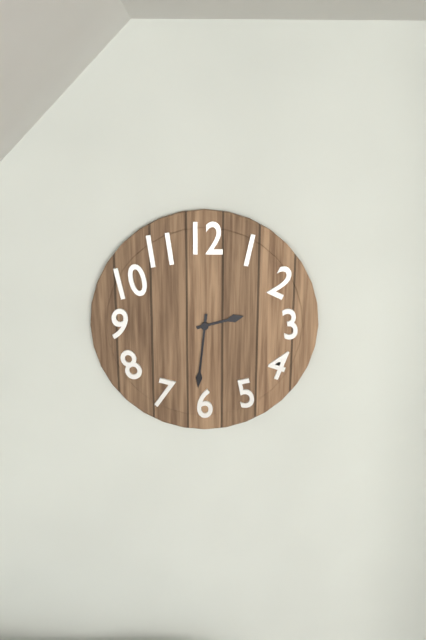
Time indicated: 2:31
